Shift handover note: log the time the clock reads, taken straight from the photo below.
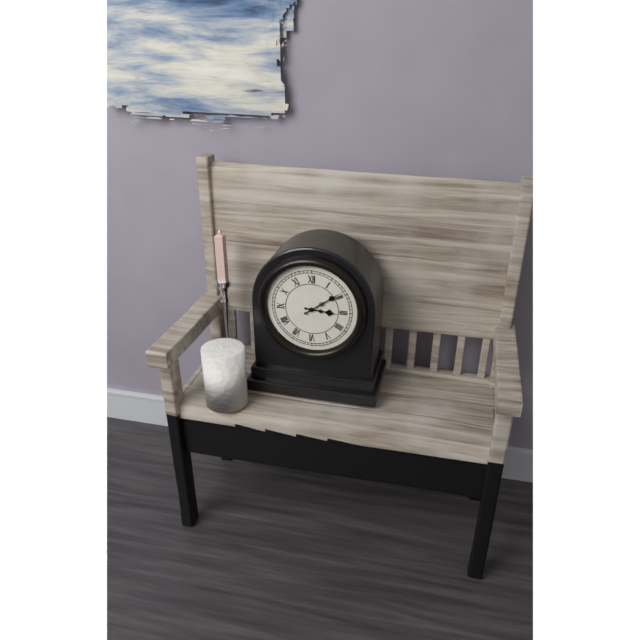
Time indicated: 3:09
